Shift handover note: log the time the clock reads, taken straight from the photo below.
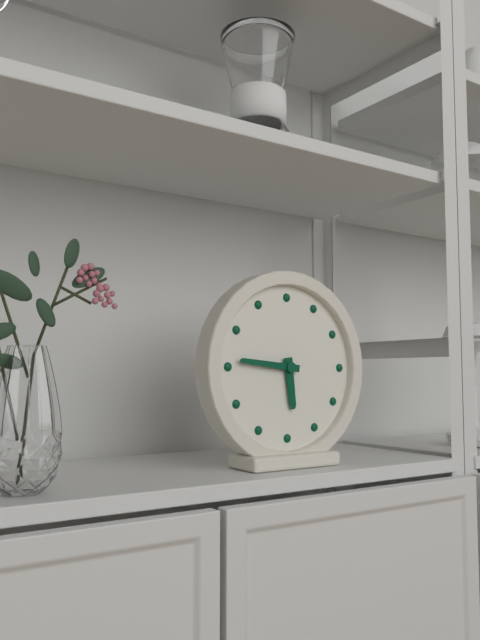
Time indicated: 5:46
